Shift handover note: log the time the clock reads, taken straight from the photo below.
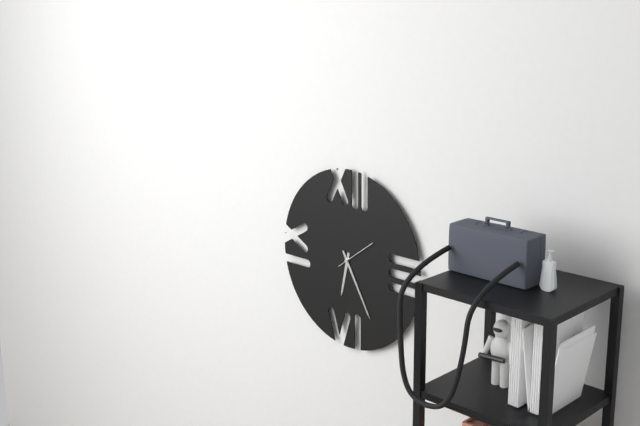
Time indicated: 6:25
